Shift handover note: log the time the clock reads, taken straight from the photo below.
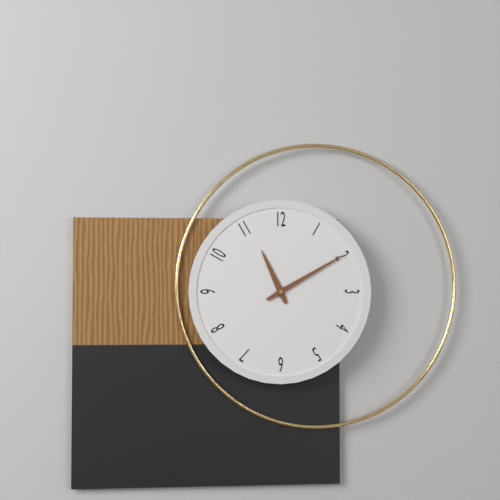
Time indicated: 11:10
